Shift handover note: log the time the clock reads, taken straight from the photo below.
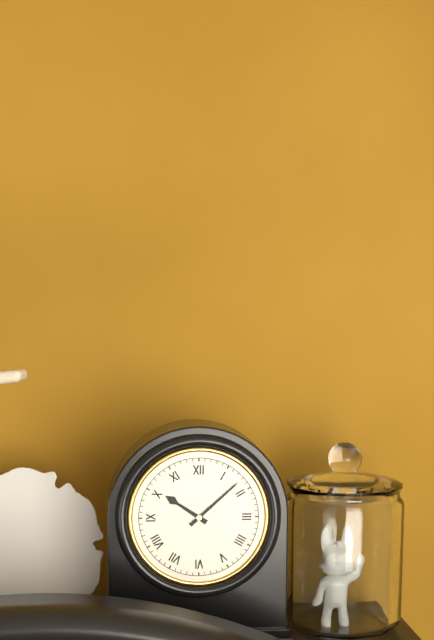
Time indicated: 10:08
